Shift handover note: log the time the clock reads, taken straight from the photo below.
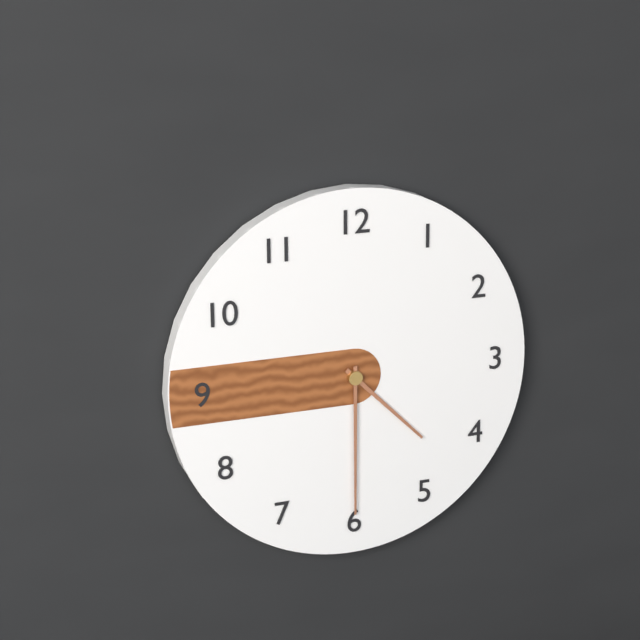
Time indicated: 4:30
